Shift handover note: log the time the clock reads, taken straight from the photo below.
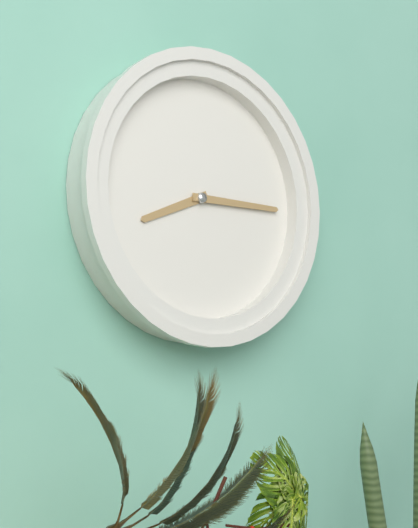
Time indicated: 8:15
